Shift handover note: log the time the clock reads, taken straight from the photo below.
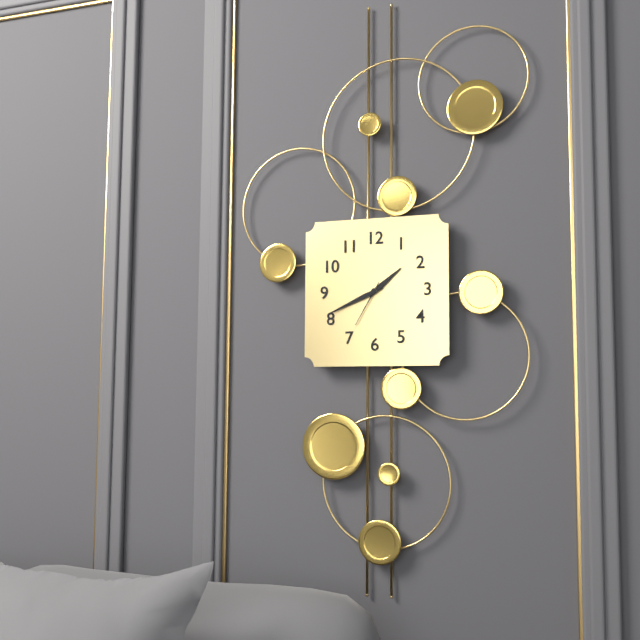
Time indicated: 1:41
